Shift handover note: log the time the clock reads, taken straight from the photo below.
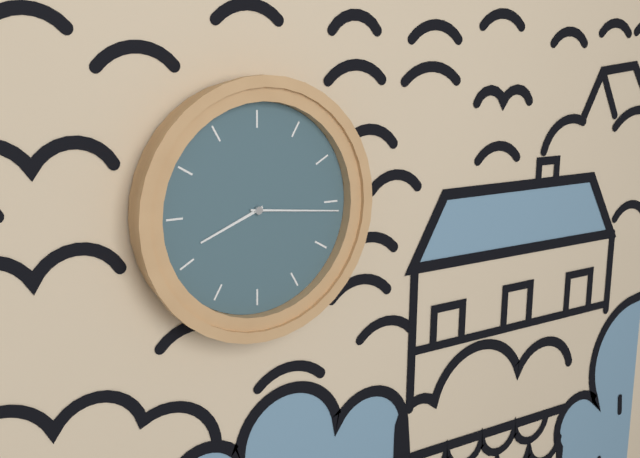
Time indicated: 8:16
